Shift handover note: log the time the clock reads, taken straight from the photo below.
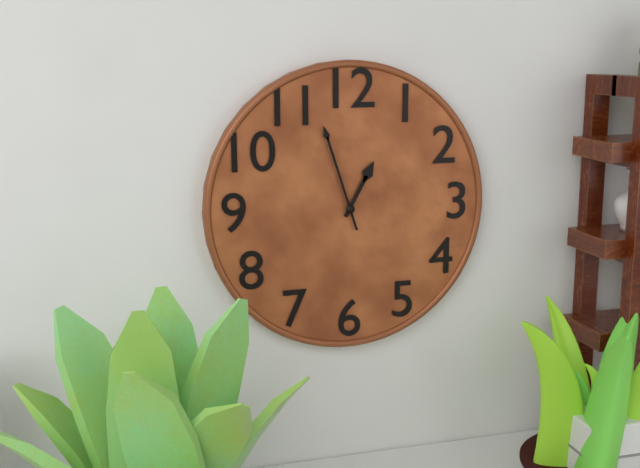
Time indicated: 12:57
